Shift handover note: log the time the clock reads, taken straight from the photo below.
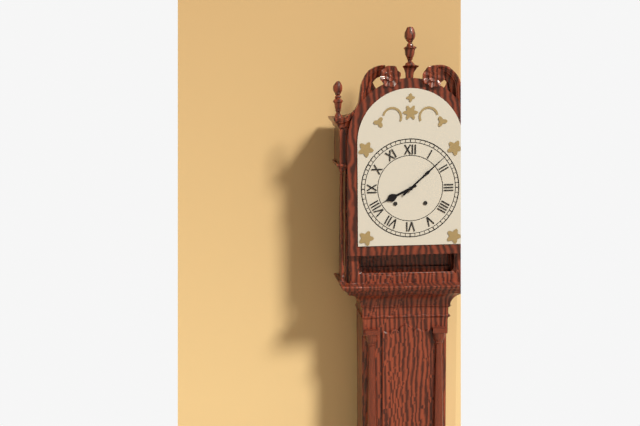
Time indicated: 8:08
